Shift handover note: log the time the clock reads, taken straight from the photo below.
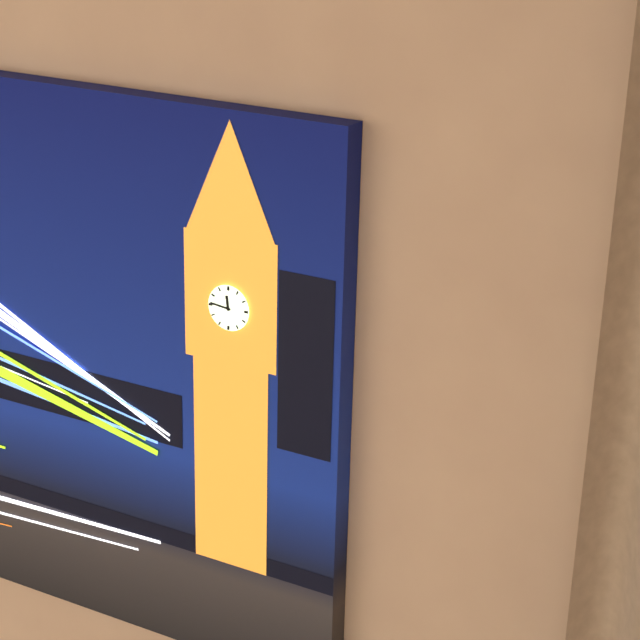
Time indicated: 11:46
